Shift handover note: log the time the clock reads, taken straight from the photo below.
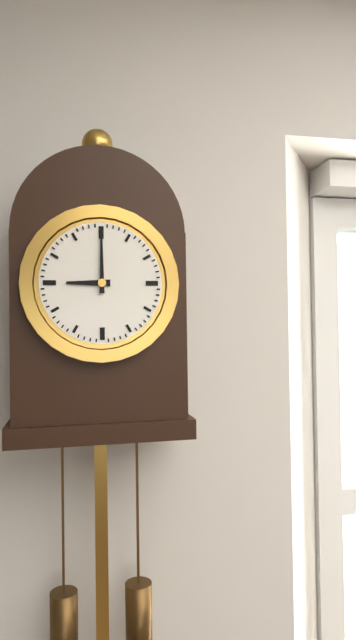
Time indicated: 9:00
